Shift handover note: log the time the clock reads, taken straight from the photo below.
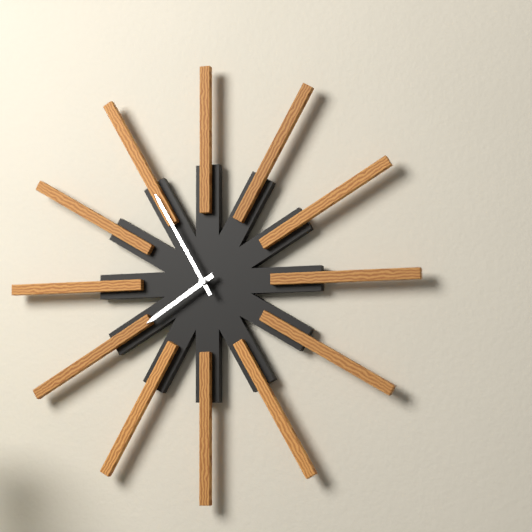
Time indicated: 7:55
